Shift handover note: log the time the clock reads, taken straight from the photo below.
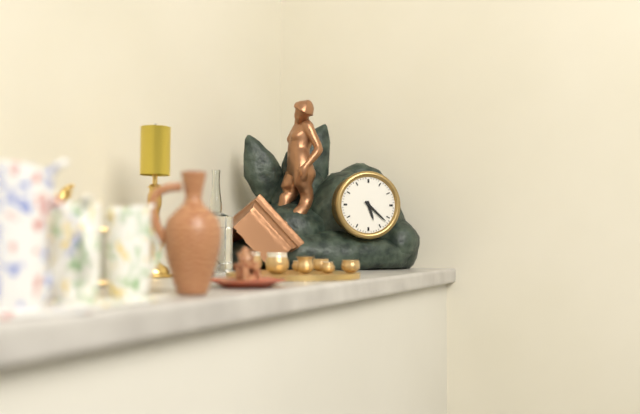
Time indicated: 5:22
